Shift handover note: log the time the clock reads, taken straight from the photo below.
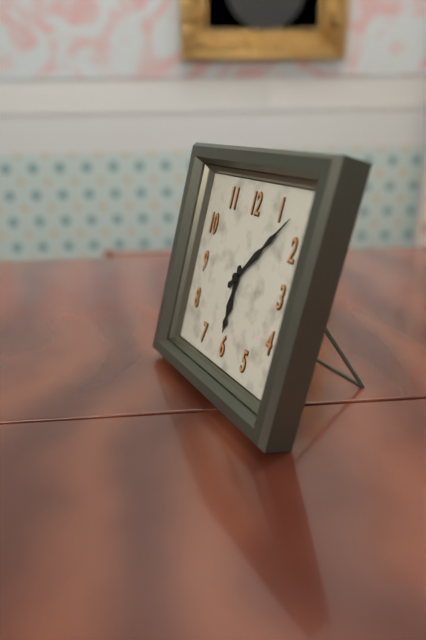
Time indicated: 6:07
